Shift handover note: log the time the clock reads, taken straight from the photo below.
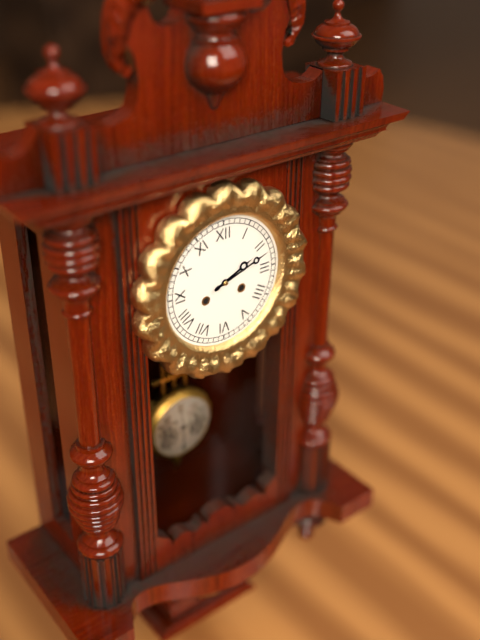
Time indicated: 2:12
